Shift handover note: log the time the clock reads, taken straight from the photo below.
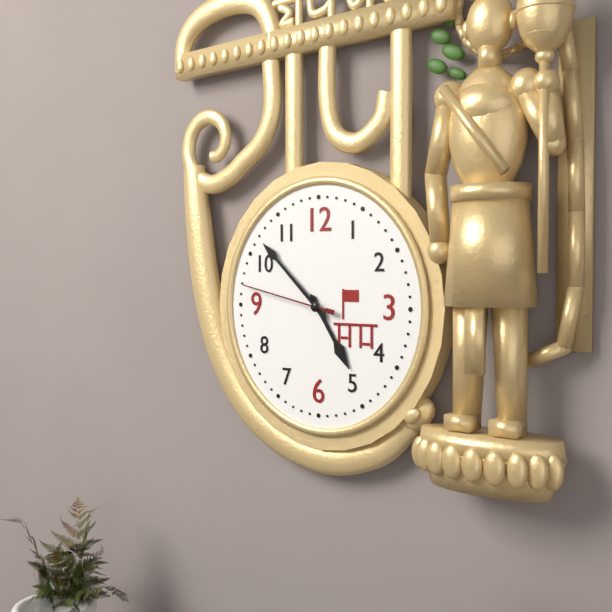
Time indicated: 4:52:47
